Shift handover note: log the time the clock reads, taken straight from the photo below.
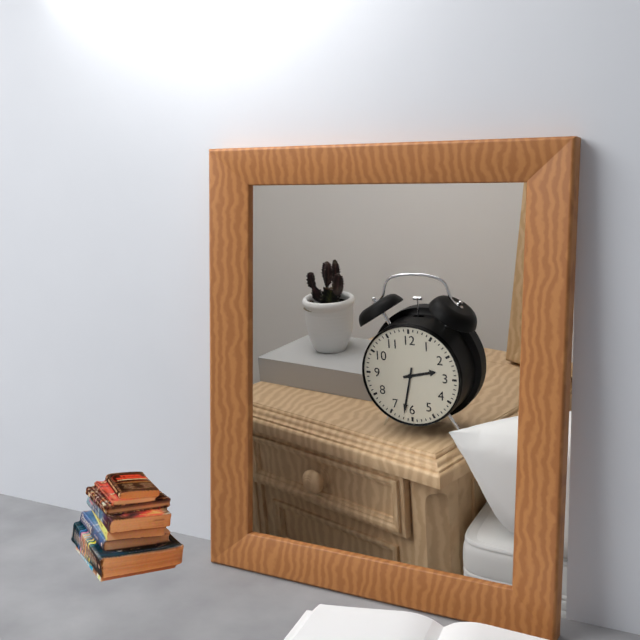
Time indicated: 2:32
